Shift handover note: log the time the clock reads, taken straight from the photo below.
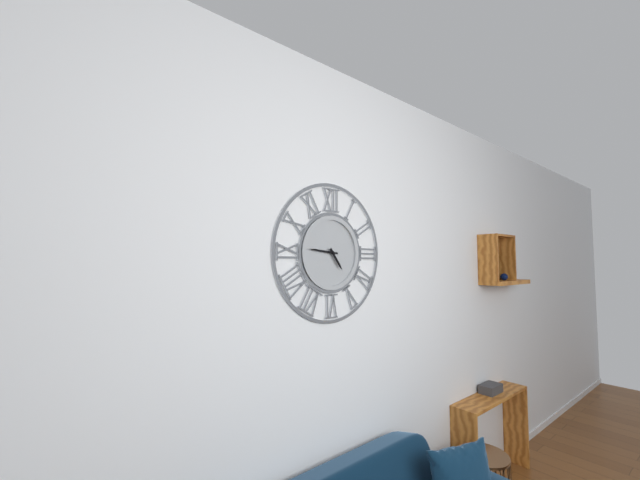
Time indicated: 4:46
